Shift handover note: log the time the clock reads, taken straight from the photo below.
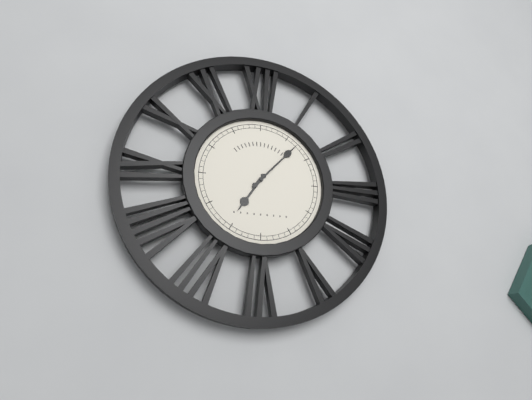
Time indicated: 7:07
